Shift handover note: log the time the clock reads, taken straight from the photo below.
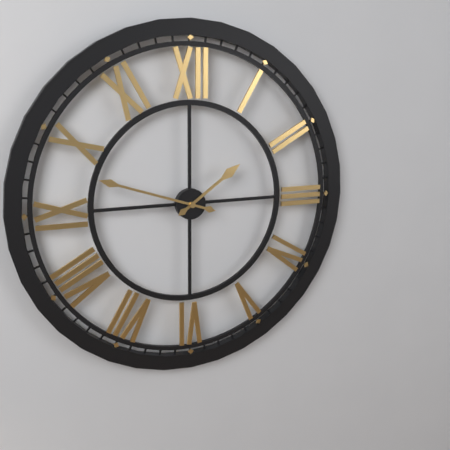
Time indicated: 1:48
